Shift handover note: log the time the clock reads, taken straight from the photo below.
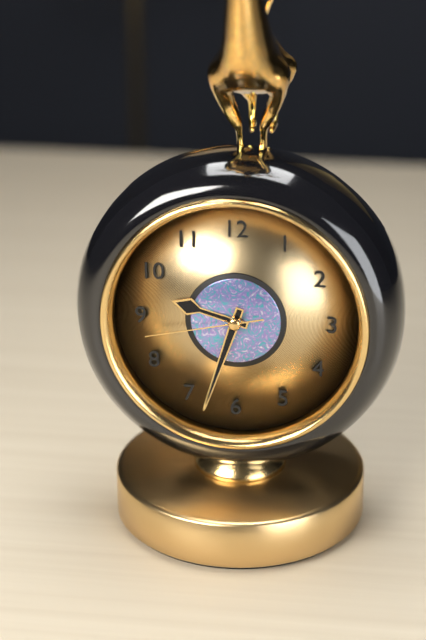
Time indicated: 9:33:43
